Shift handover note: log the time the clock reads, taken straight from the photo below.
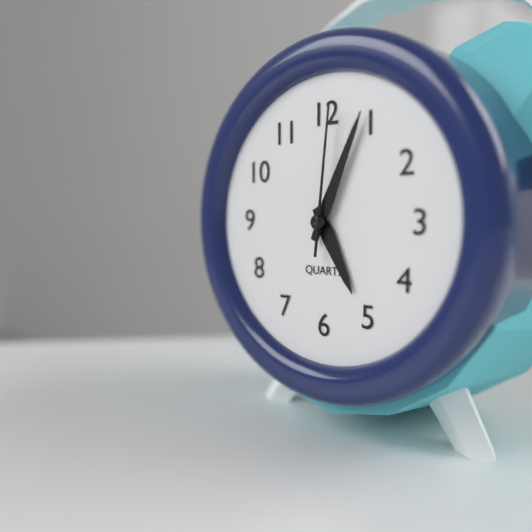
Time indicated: 5:04:01
